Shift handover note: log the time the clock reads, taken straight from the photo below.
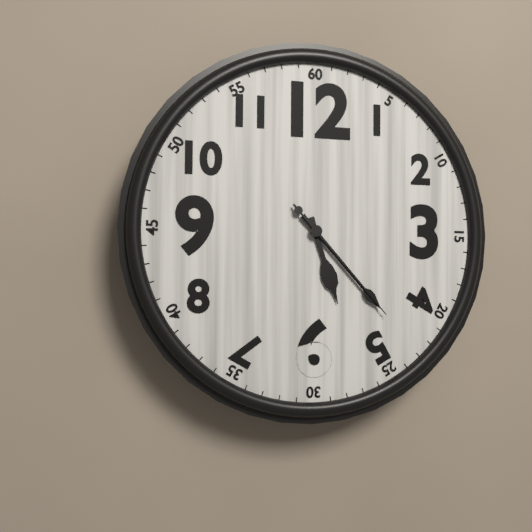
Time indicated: 5:23:23
